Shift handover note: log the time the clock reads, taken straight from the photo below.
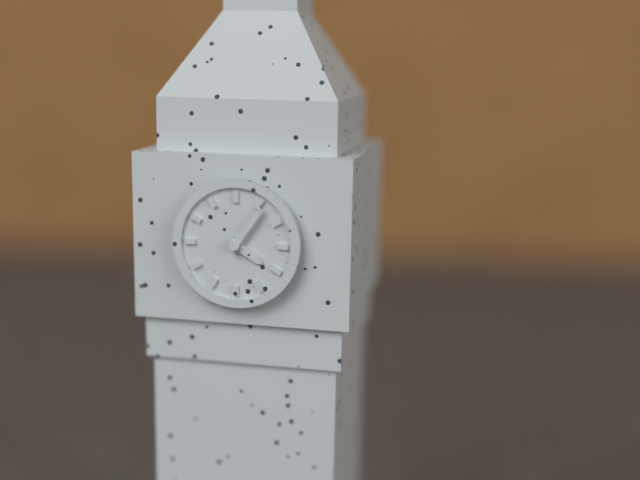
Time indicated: 4:06
